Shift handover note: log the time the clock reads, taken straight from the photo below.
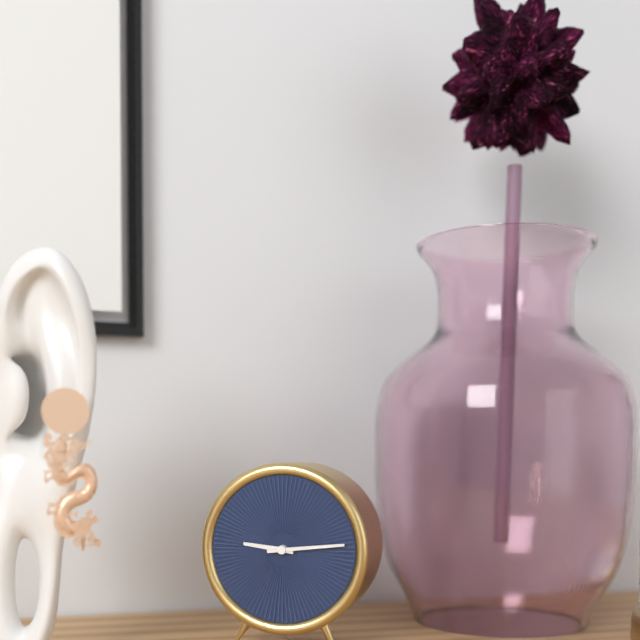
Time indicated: 9:14
